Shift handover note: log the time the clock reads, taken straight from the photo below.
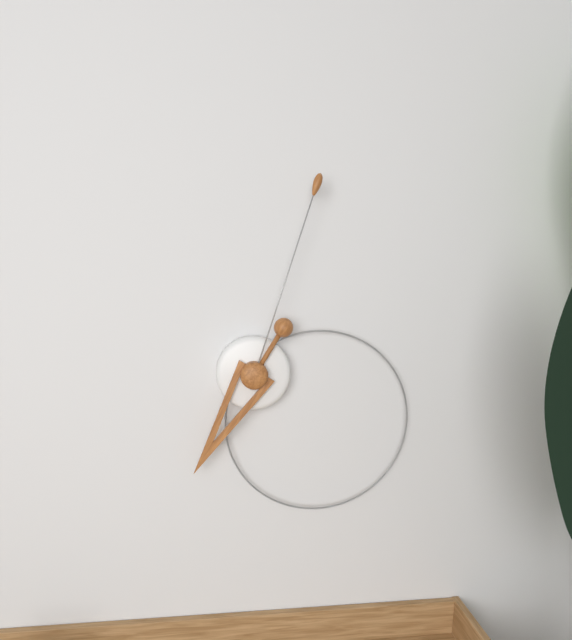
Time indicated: 7:03
